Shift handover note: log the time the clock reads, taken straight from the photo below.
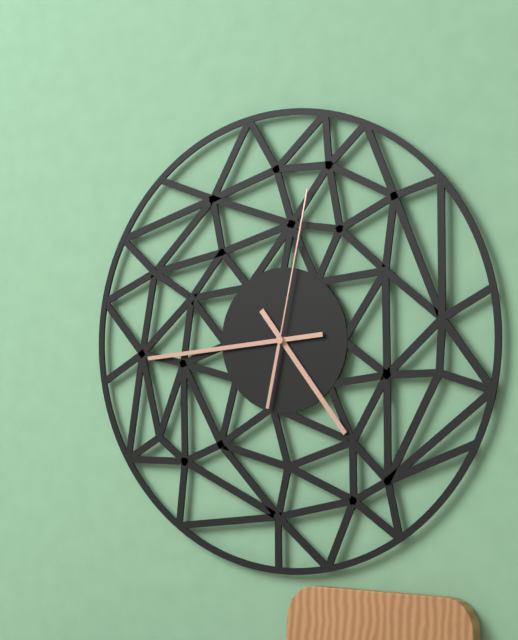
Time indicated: 4:44:02
